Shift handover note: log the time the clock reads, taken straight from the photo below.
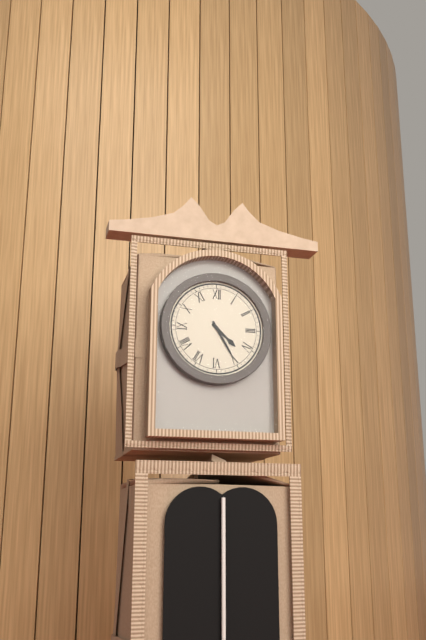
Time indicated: 4:25
